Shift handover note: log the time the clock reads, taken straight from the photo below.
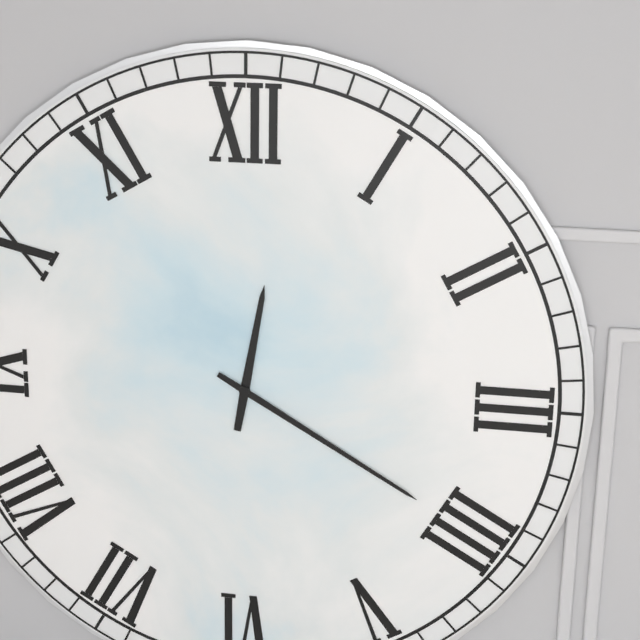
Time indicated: 12:20
